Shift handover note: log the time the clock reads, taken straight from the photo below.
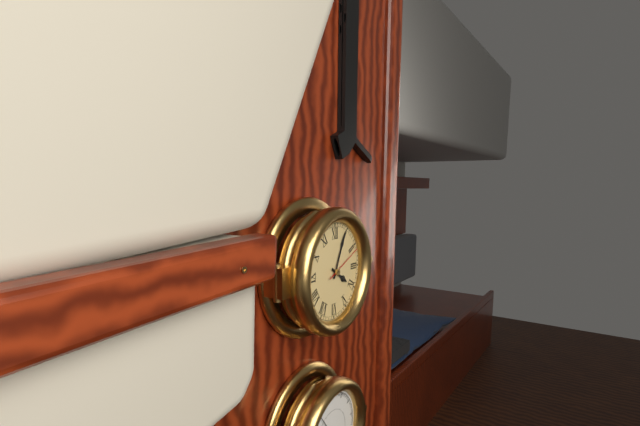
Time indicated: 4:04:11
